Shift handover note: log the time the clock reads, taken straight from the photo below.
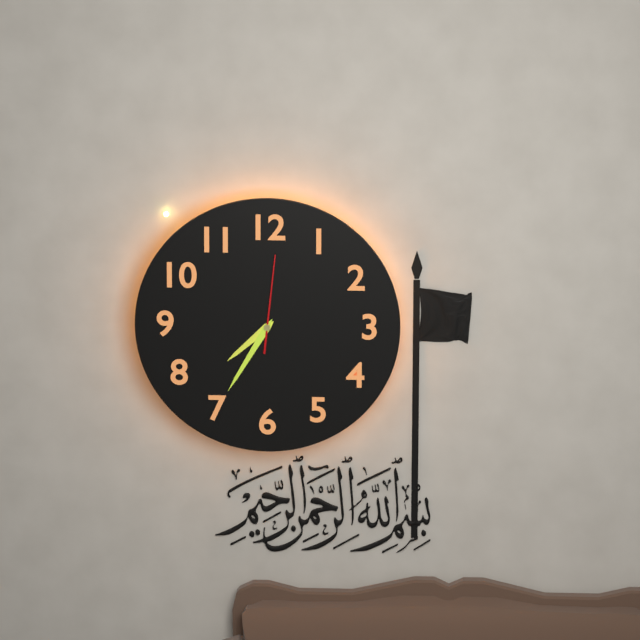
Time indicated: 7:35:01
